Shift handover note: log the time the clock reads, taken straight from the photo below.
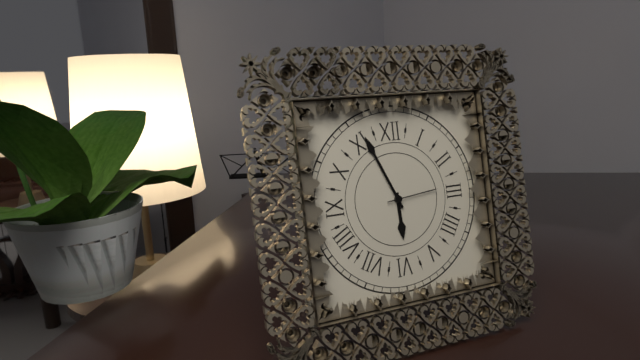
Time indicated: 5:56:14
